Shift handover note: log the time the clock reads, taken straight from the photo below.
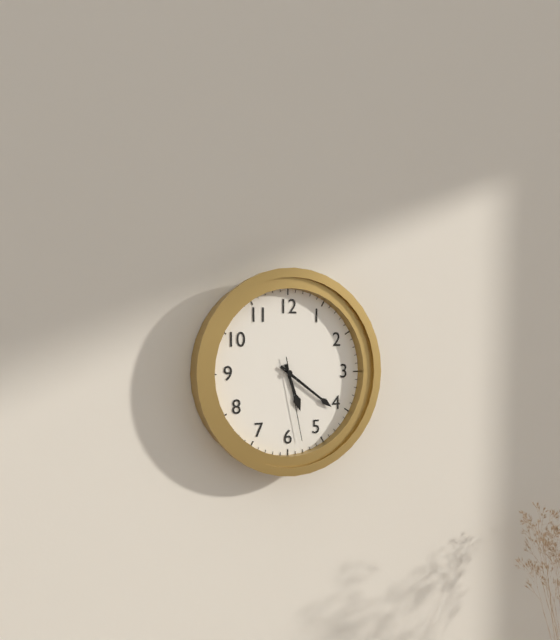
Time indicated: 5:21:28
